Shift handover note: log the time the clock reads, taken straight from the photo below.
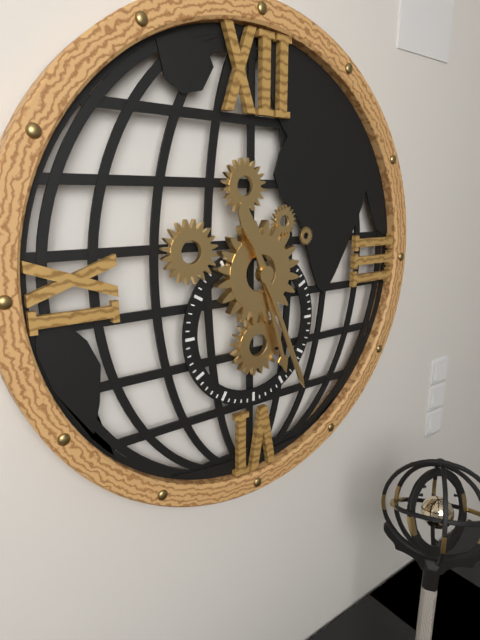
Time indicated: 5:26
